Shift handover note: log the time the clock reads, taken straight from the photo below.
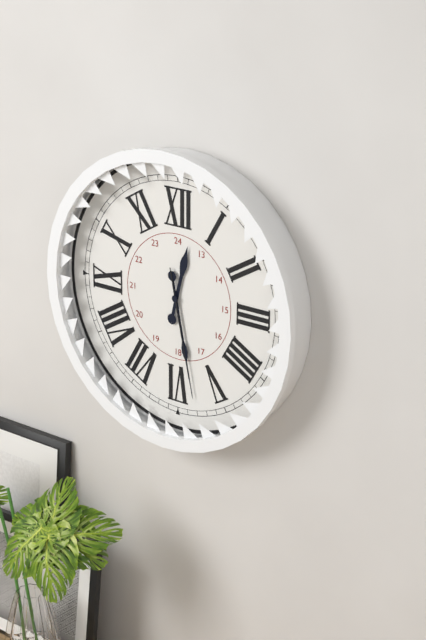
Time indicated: 12:28:28
